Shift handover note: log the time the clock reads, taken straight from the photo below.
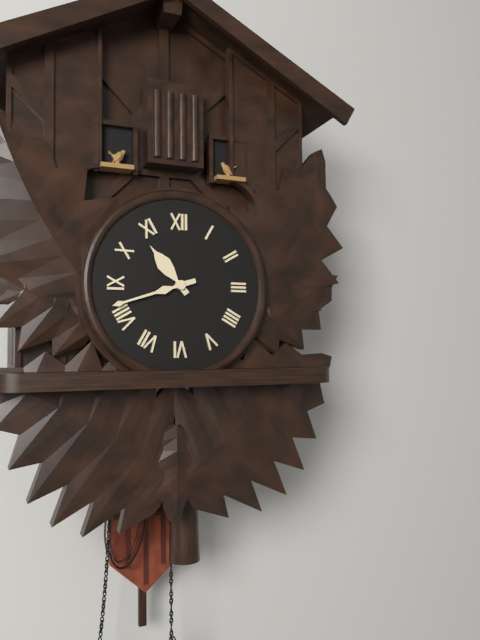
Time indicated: 10:42
